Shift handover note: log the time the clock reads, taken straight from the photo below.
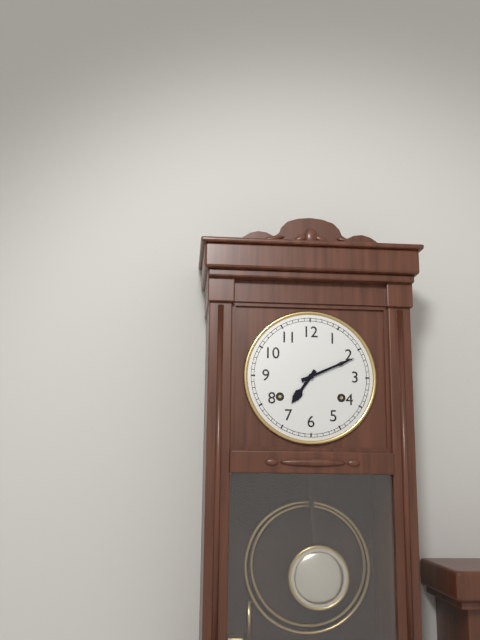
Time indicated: 7:11
